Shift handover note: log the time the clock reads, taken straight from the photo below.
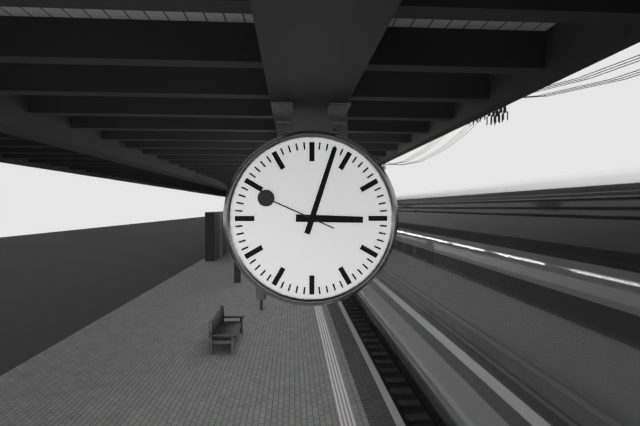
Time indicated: 3:03:49
